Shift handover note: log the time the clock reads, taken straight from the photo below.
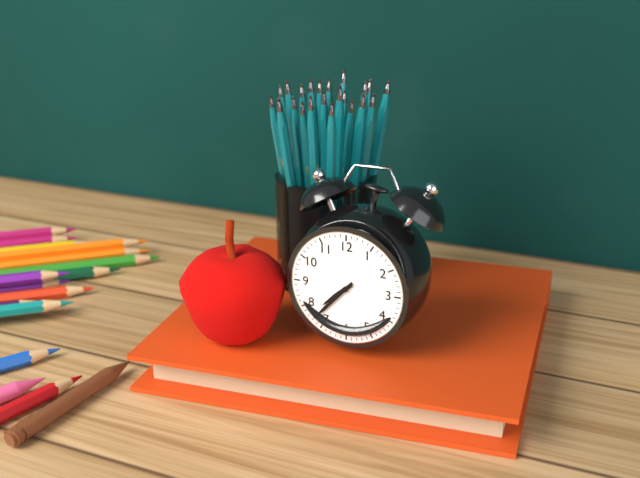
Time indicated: 7:37
